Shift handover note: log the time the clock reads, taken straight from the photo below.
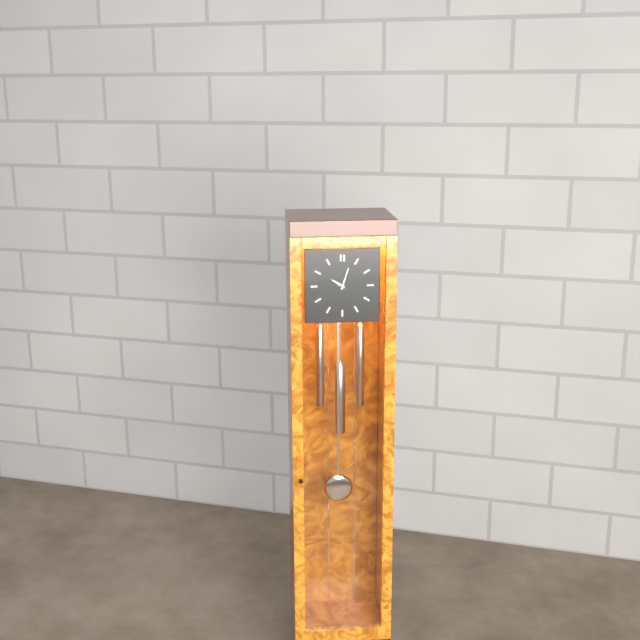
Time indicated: 10:03
